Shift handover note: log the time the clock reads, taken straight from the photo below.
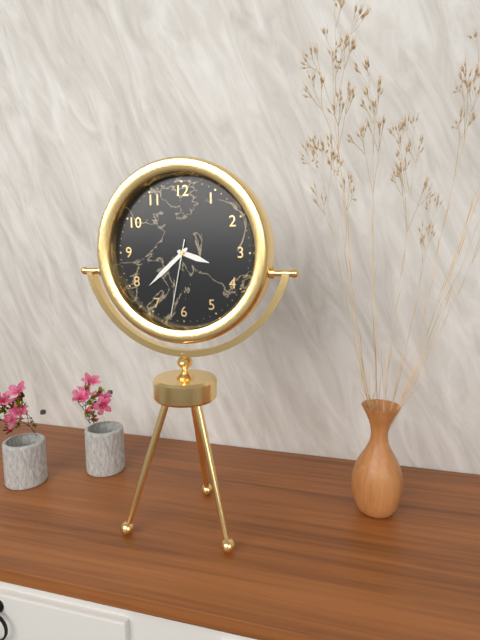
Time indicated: 3:38:32
